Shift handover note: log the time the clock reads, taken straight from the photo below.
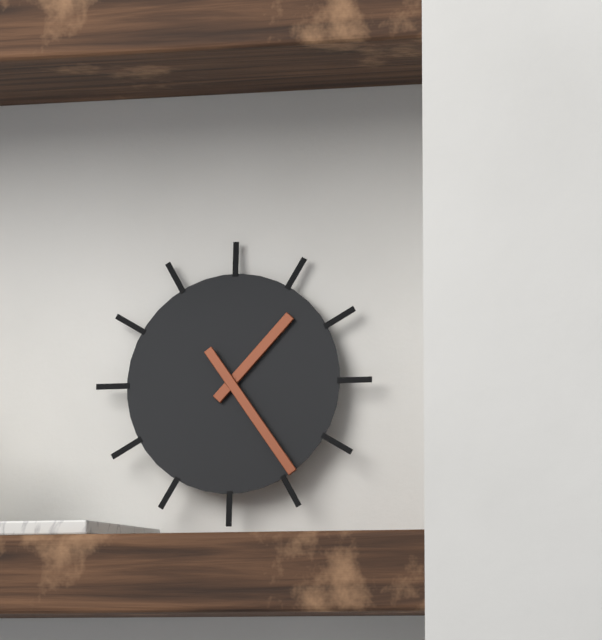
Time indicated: 1:24
